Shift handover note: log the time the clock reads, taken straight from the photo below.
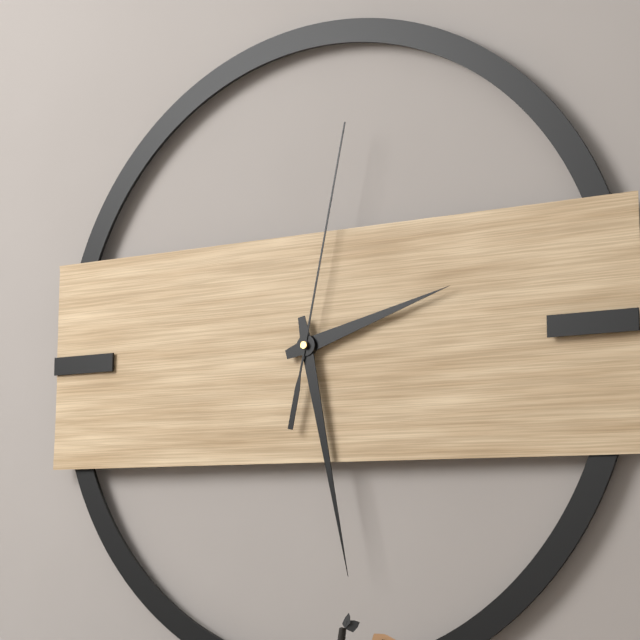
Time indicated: 2:28:02
